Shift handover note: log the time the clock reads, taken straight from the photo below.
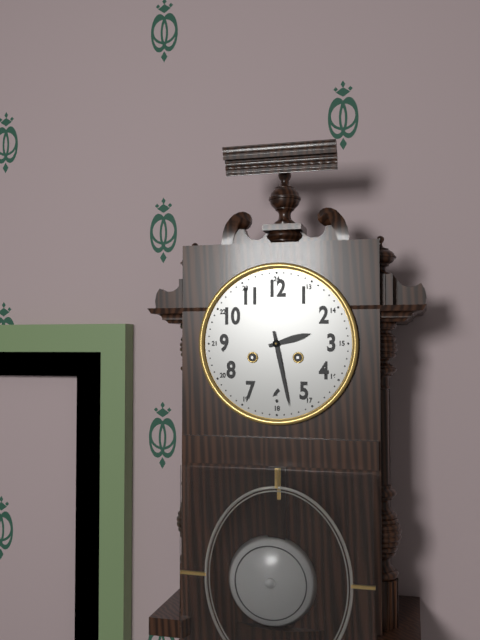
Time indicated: 2:28
